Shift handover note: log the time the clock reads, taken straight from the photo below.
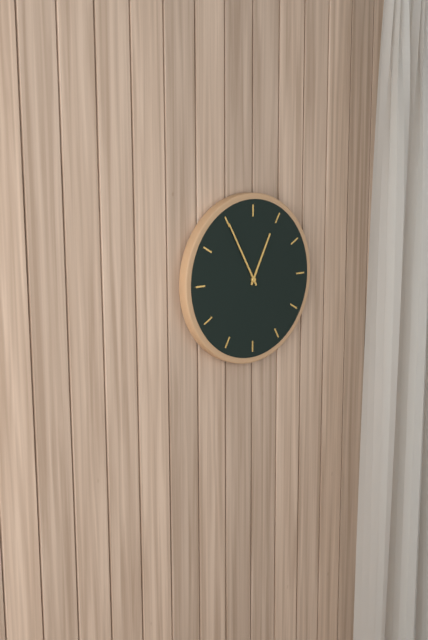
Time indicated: 12:55
